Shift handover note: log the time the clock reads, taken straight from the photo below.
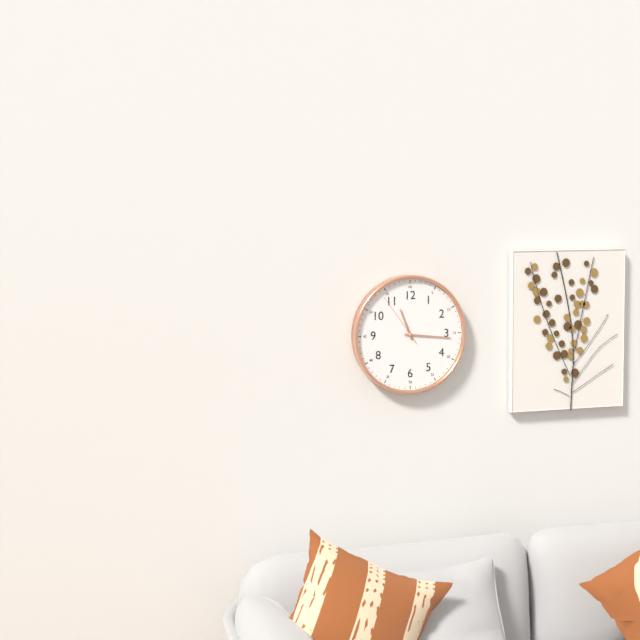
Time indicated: 11:16:54
